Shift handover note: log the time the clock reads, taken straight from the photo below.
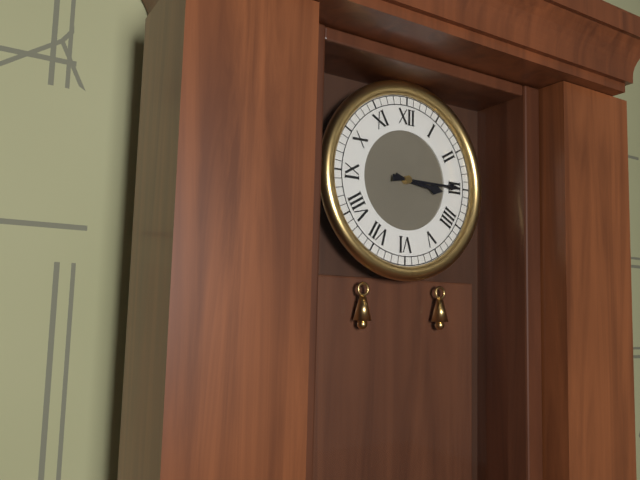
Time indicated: 3:15
